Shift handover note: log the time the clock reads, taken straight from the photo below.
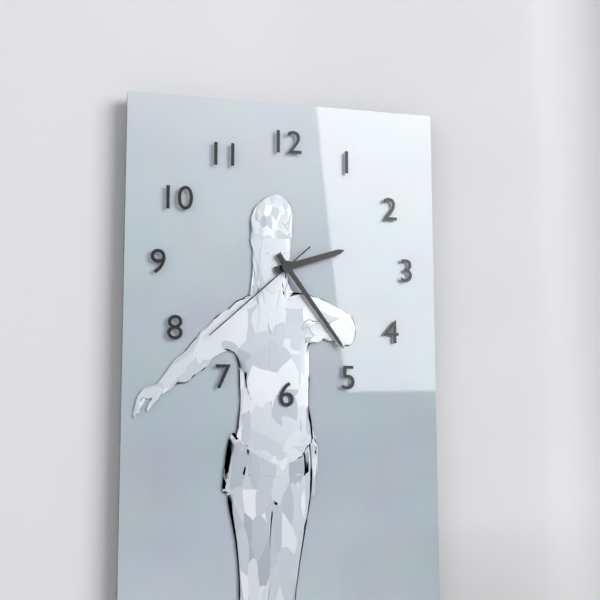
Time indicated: 2:24:38
